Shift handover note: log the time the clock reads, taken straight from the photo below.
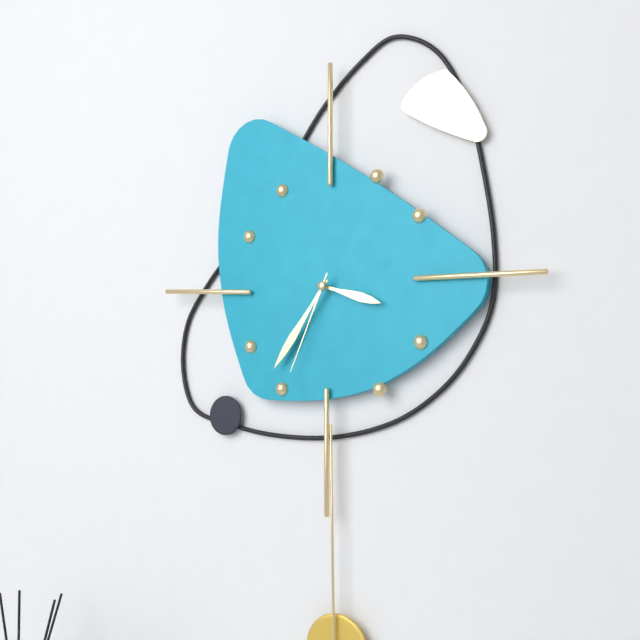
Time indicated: 3:36:34
